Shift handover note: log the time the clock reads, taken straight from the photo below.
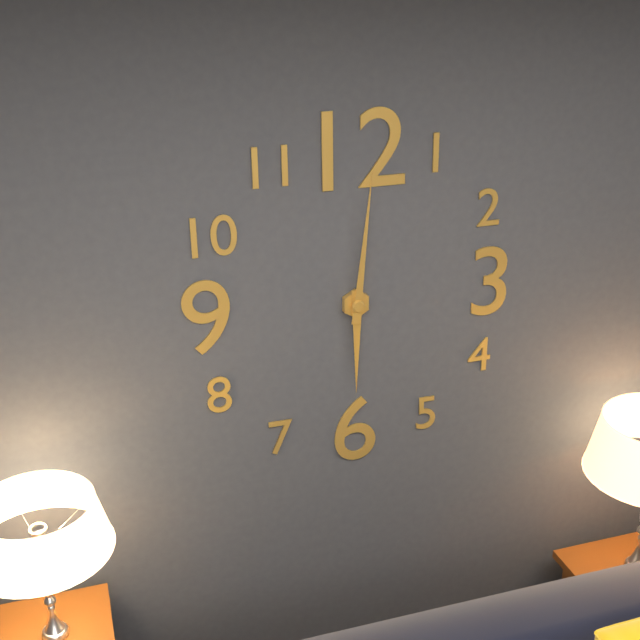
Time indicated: 6:01
